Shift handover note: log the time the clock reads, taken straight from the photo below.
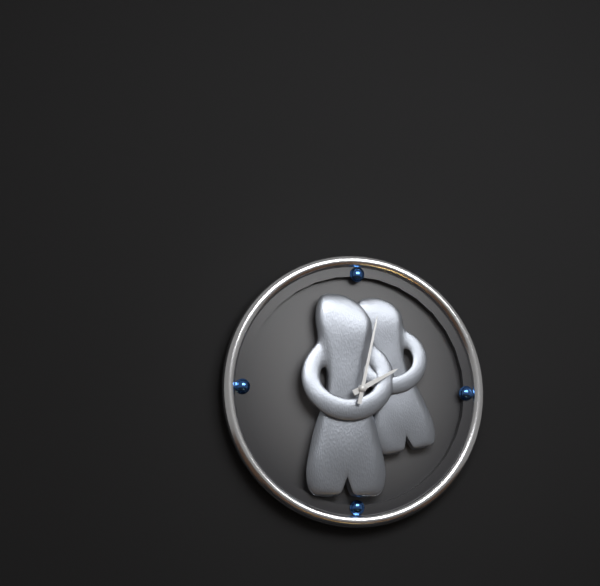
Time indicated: 2:02
